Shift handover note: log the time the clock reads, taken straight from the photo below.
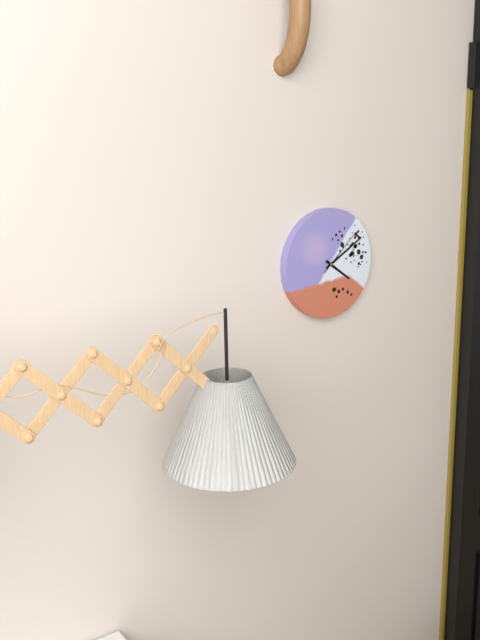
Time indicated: 4:10
